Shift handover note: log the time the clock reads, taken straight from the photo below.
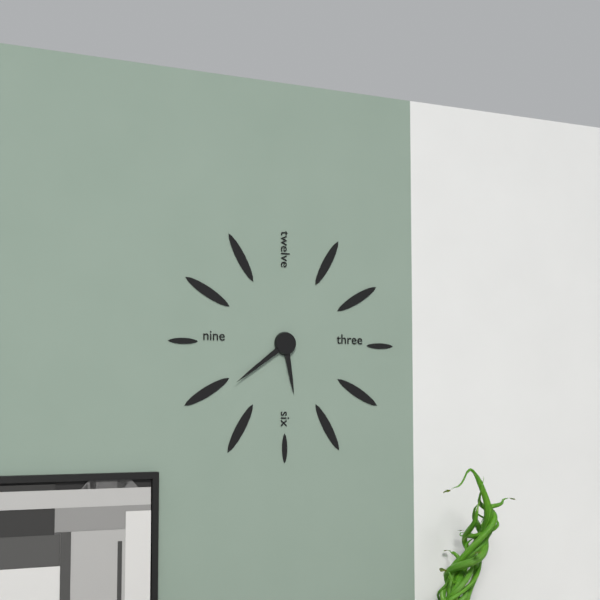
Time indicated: 5:39
